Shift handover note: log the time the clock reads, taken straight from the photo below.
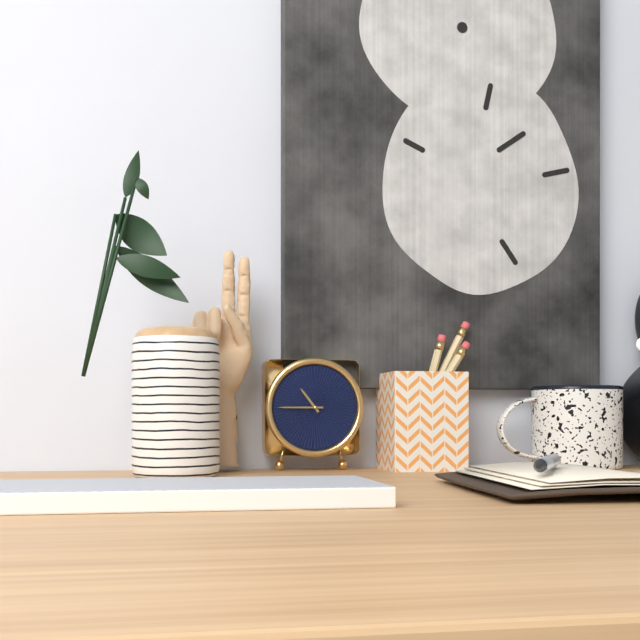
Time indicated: 10:45
